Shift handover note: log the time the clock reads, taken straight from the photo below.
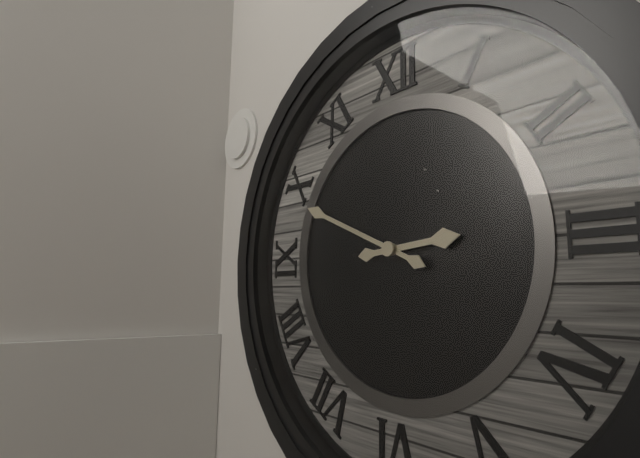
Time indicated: 2:49
